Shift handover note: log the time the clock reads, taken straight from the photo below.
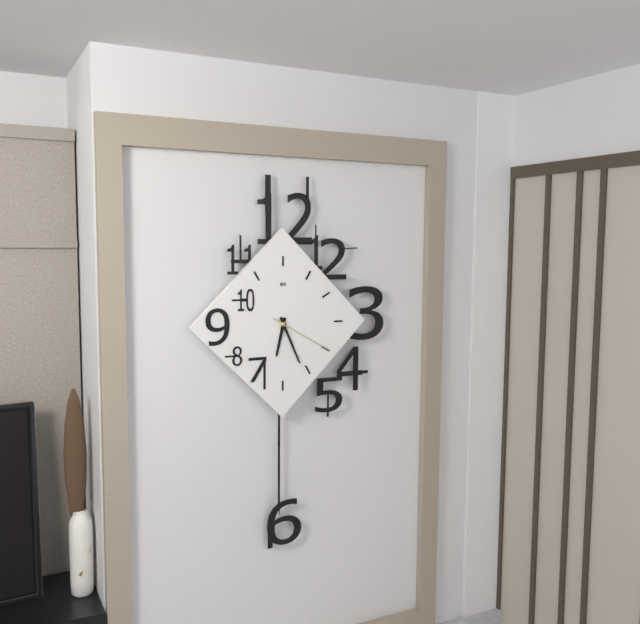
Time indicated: 6:26:20
